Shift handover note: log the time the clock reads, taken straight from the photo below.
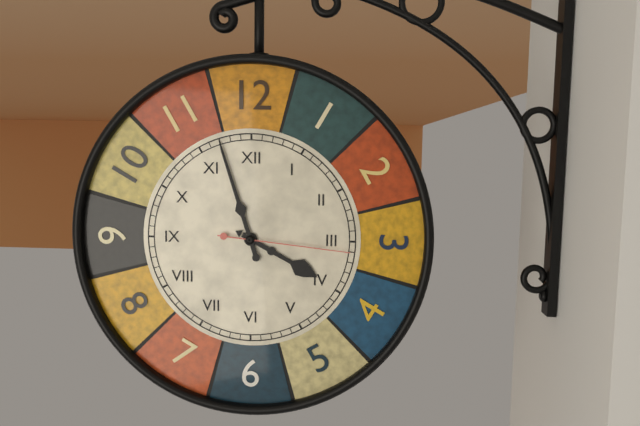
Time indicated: 3:57:16
